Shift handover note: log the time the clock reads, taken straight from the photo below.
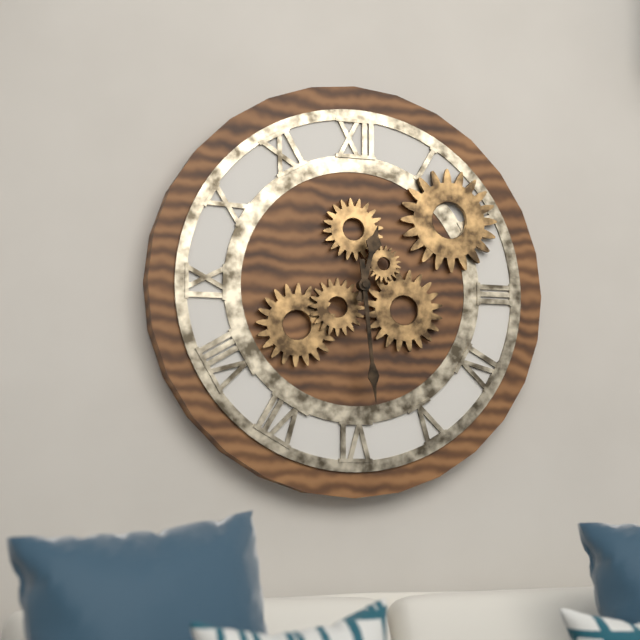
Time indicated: 12:29
